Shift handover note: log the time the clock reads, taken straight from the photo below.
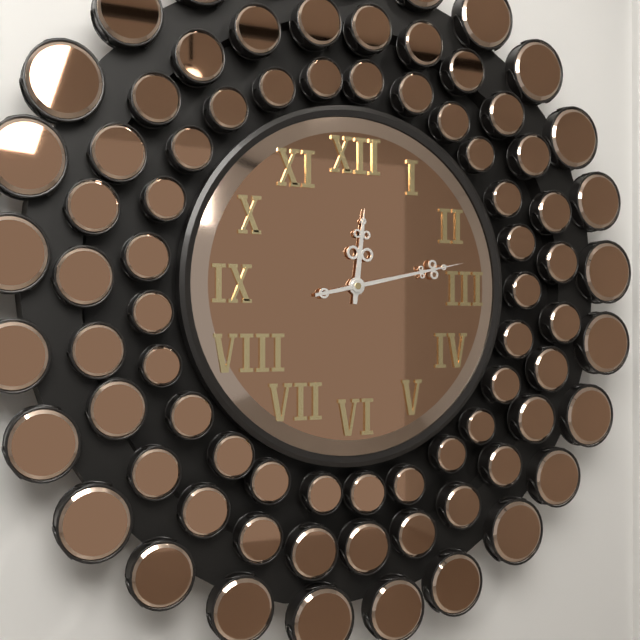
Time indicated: 12:13
